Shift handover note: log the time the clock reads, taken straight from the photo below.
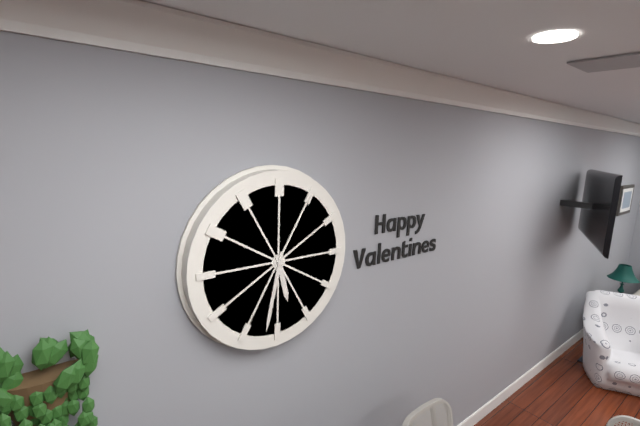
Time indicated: 5:32
